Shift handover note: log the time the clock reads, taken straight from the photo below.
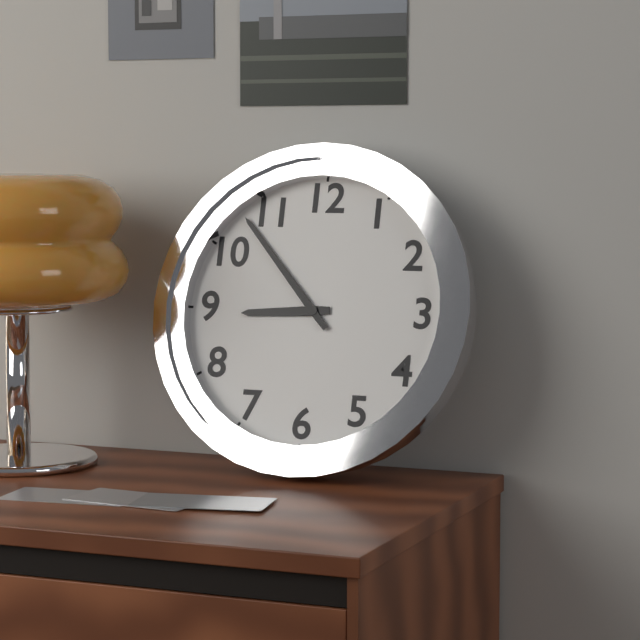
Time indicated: 8:53
